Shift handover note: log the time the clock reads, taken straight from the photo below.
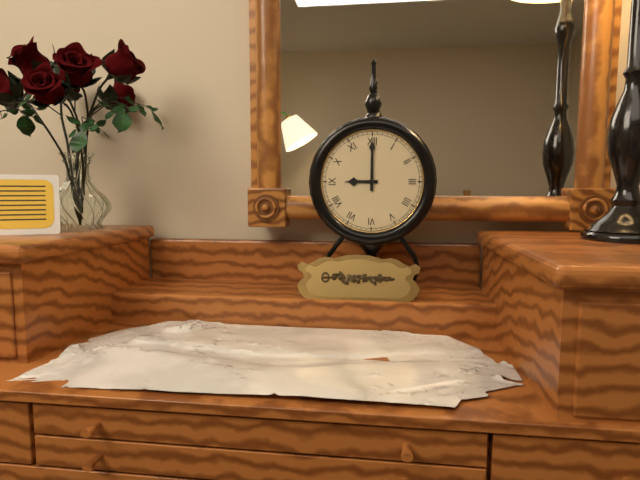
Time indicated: 9:00
